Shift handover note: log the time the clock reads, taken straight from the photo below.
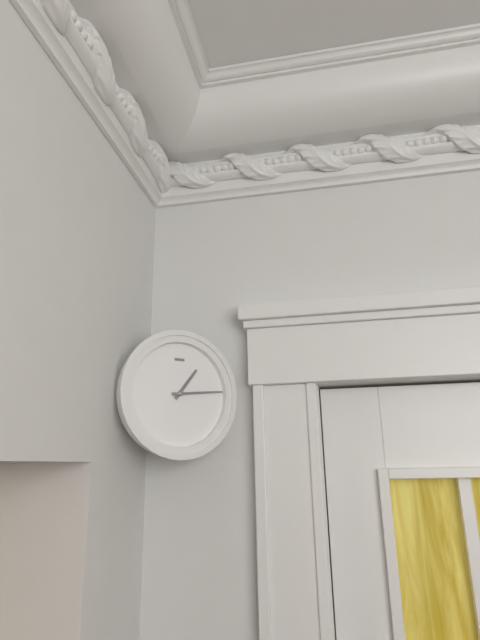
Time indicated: 1:14
